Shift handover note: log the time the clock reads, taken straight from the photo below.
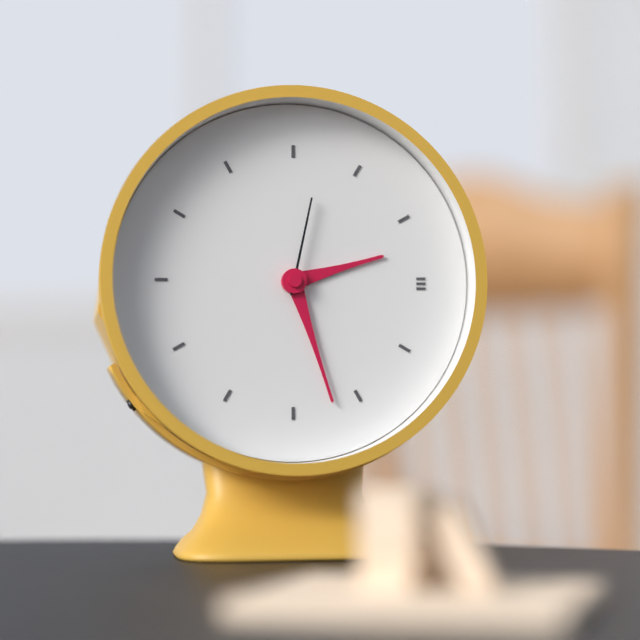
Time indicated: 2:27:02
